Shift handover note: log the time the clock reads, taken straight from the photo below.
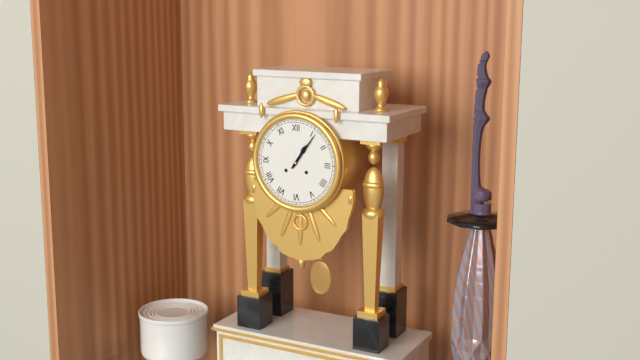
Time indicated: 1:06
